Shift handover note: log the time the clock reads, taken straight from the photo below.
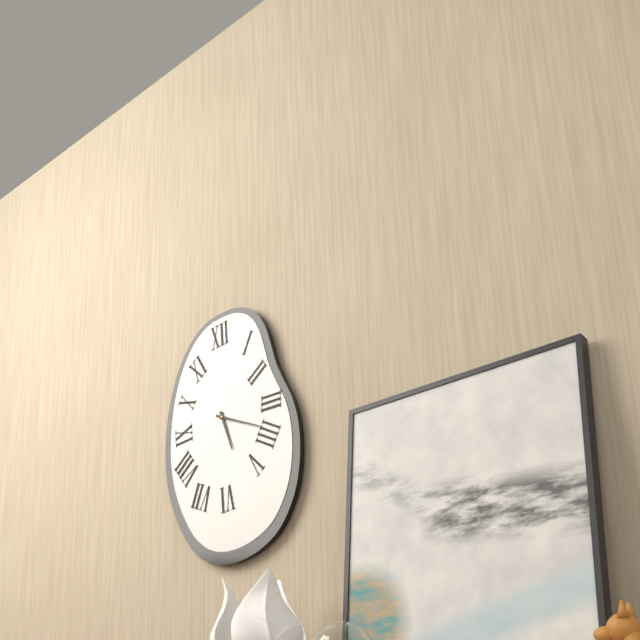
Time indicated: 5:19
